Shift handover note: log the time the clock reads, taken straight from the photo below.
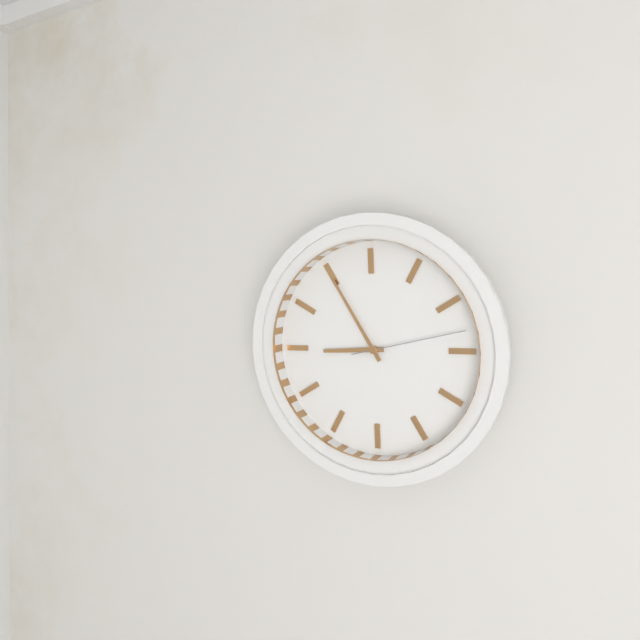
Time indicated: 8:55:13
